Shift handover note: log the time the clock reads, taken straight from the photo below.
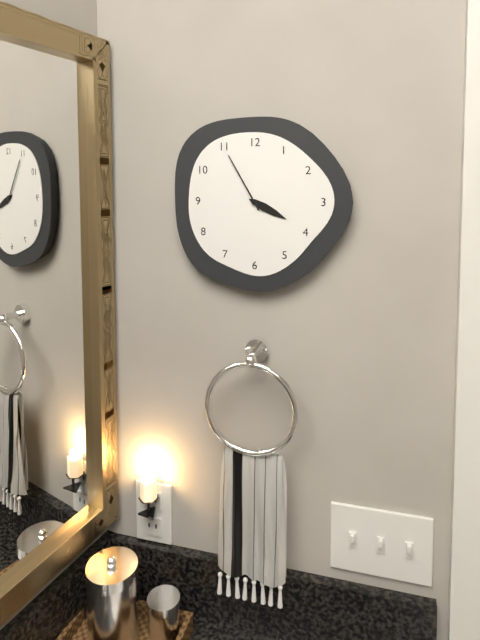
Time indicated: 3:55
